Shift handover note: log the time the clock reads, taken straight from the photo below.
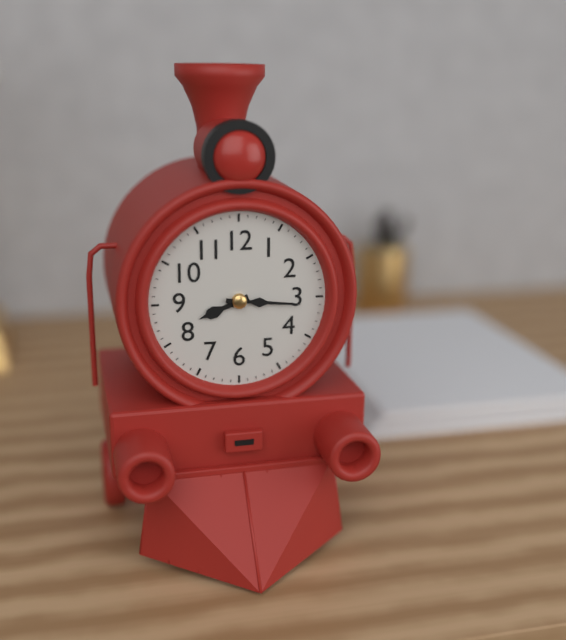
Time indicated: 8:16
